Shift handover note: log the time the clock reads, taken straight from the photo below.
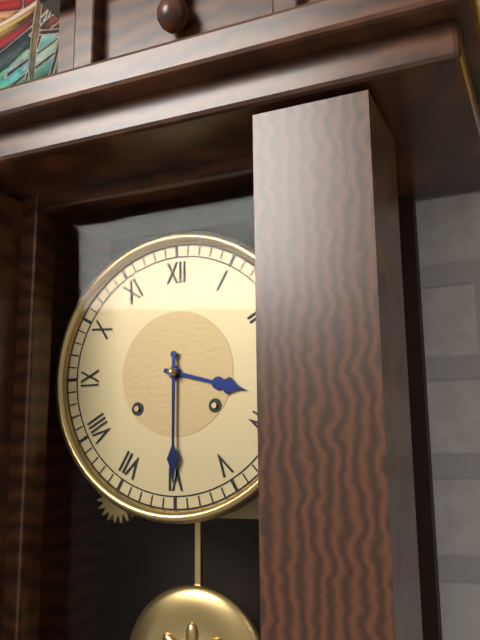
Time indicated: 3:30
